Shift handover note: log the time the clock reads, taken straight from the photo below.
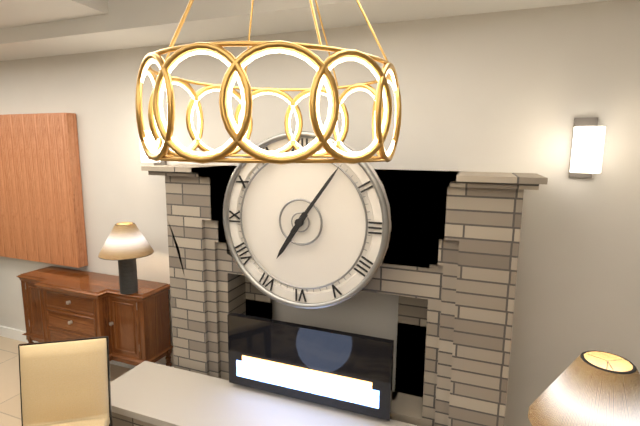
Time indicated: 7:06
